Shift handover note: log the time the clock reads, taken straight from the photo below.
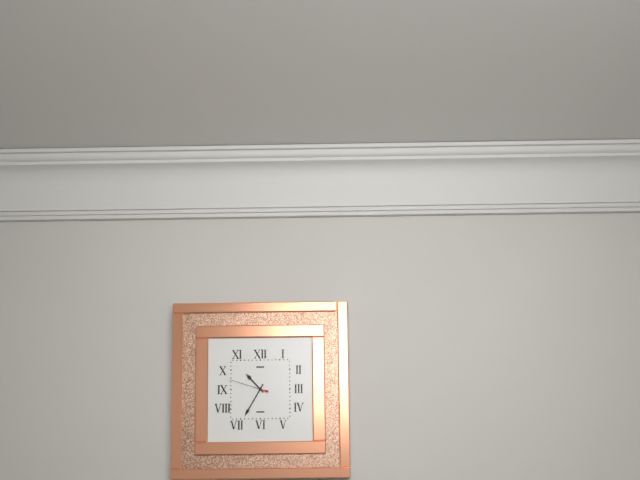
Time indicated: 10:35
